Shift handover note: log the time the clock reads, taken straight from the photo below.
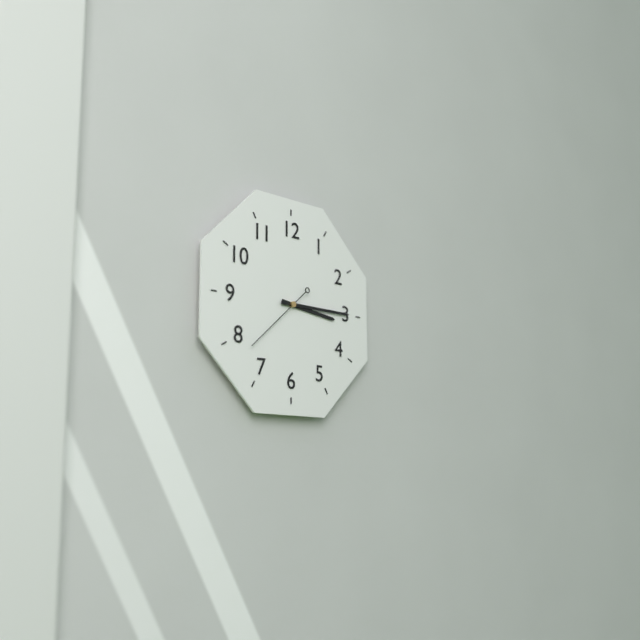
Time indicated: 3:15:38
